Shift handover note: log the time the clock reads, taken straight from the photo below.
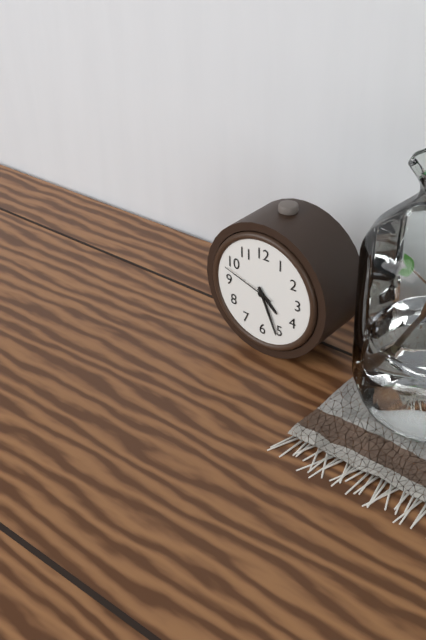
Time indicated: 4:26:48
